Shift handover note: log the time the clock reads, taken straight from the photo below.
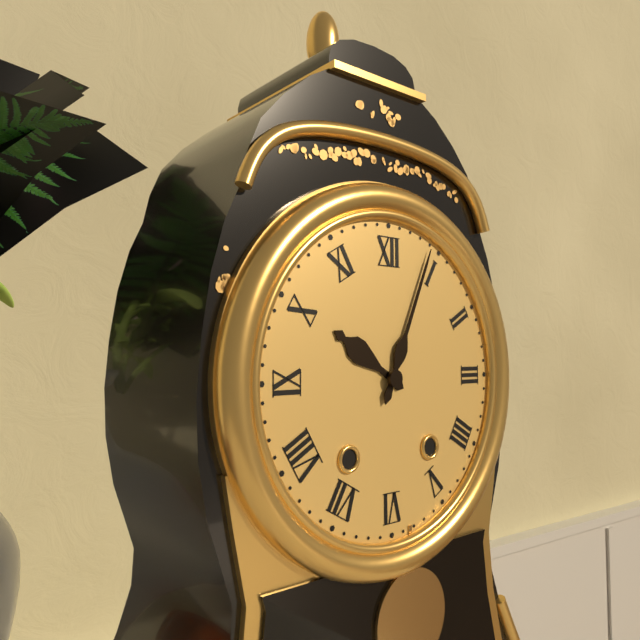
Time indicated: 10:04
